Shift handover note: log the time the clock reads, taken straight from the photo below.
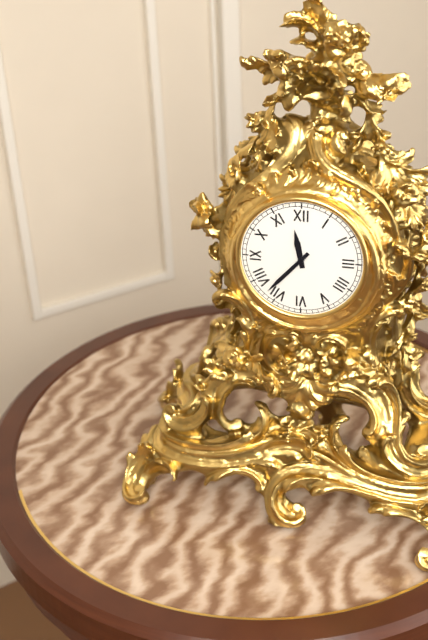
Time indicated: 11:37
